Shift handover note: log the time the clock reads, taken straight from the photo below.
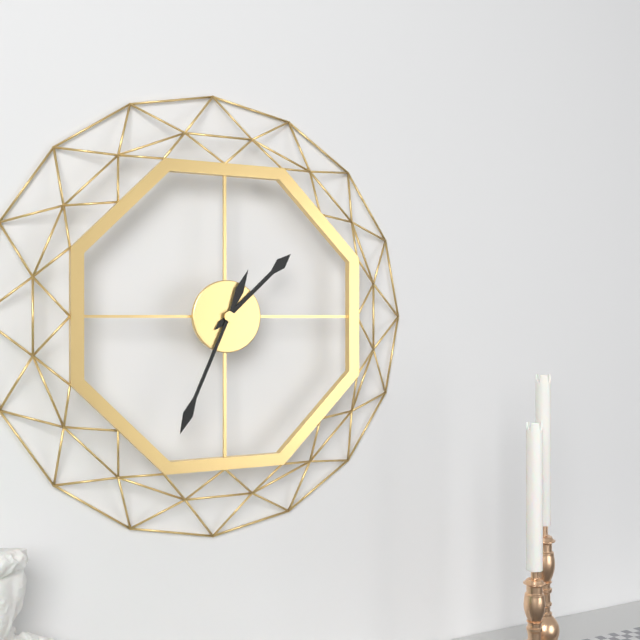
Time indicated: 1:34
